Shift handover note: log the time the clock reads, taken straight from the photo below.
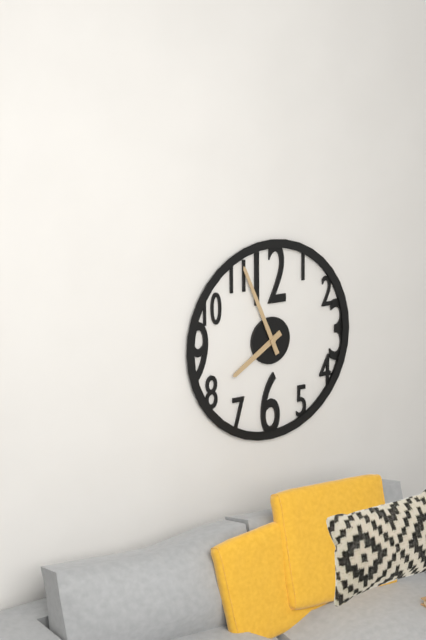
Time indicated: 7:56
